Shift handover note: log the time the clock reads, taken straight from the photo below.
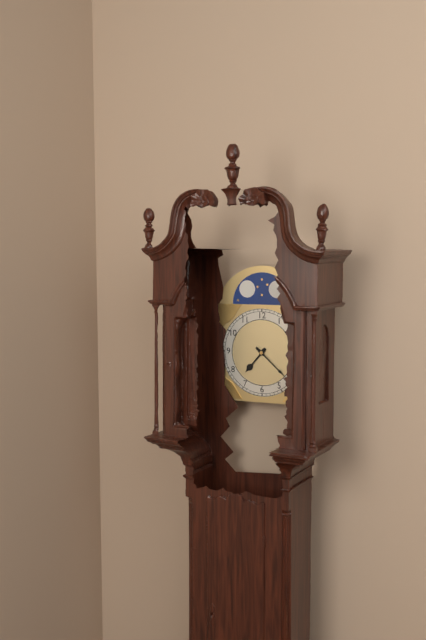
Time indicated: 7:22
